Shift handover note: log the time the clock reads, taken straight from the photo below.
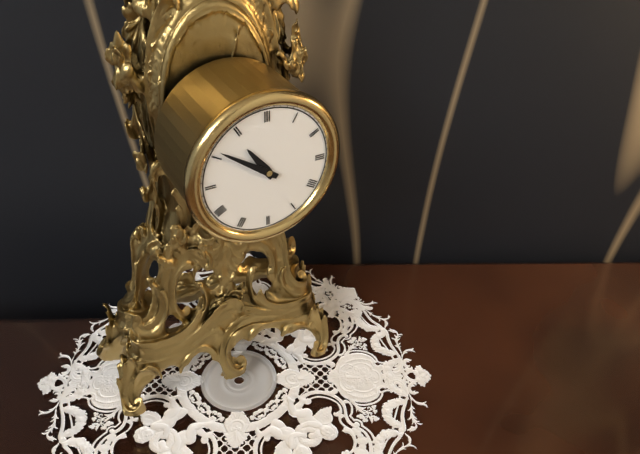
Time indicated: 10:51
